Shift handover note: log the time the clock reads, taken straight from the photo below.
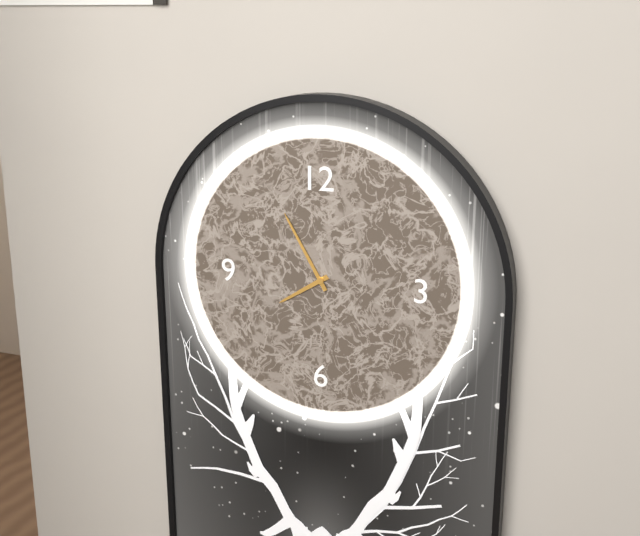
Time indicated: 7:55
